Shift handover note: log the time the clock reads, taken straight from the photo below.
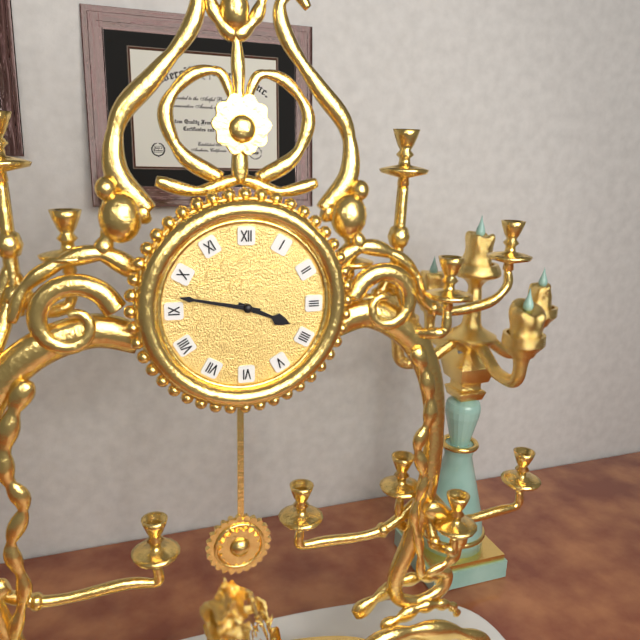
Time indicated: 3:47
